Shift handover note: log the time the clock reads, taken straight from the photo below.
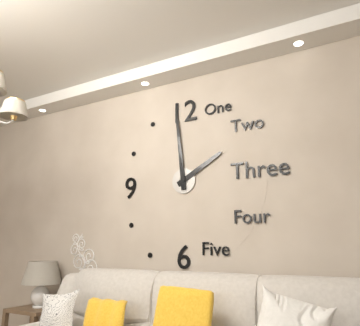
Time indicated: 1:59
